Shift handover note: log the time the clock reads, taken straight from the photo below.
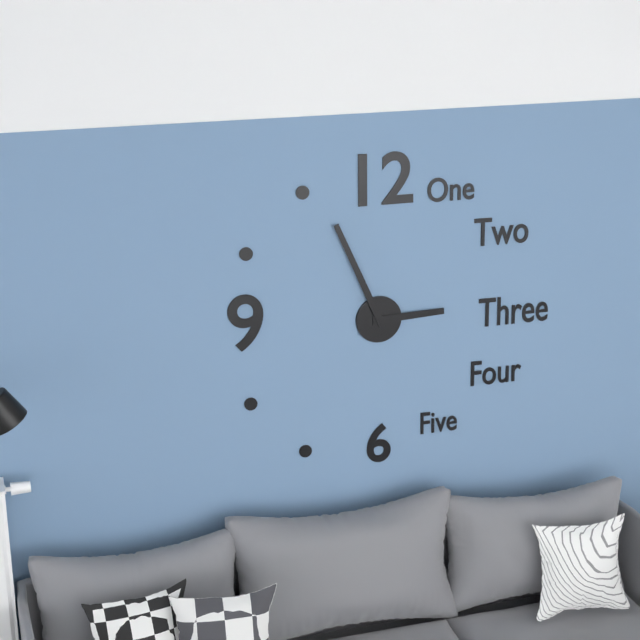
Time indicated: 2:56
